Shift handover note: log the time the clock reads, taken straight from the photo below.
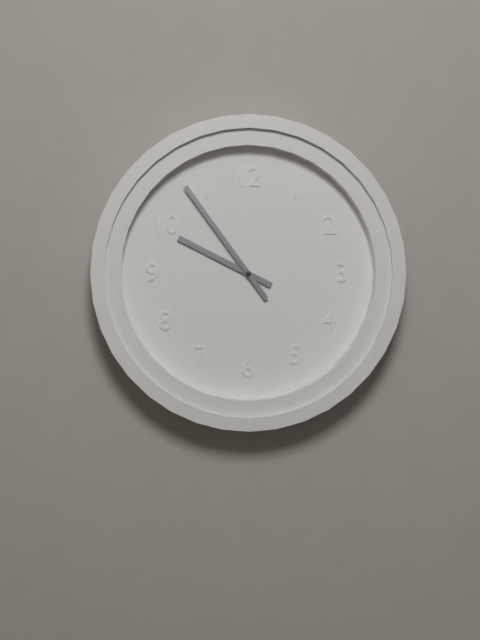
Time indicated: 9:54
